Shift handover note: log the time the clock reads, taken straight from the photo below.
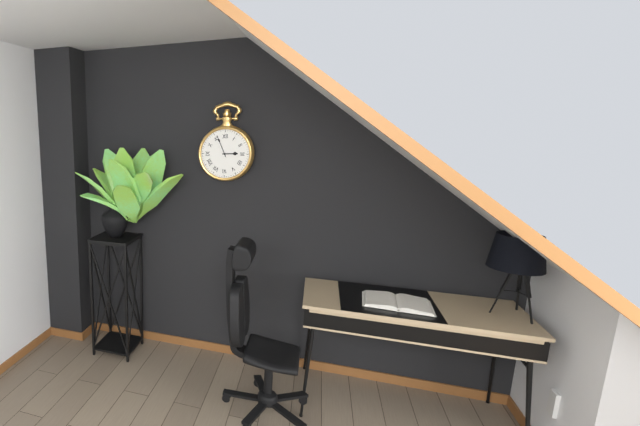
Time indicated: 2:56
